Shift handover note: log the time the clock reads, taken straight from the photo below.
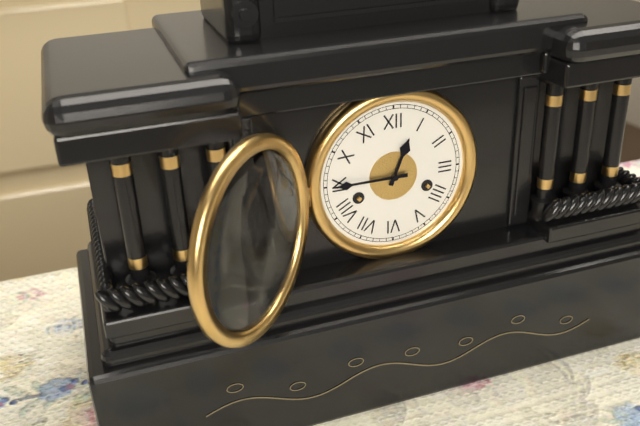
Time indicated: 12:45
